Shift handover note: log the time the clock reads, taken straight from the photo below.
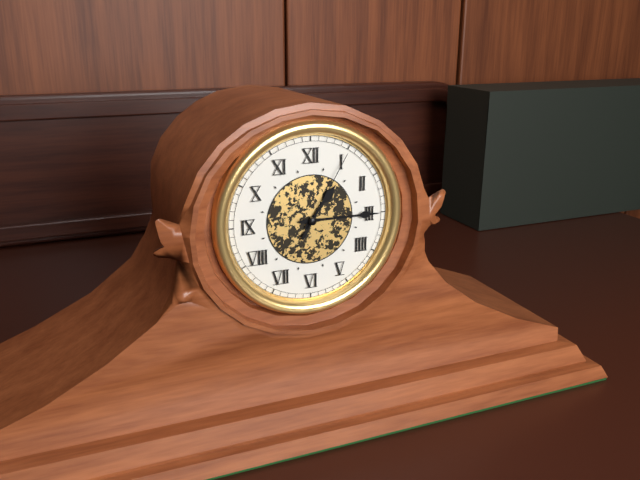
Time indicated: 1:15:05
